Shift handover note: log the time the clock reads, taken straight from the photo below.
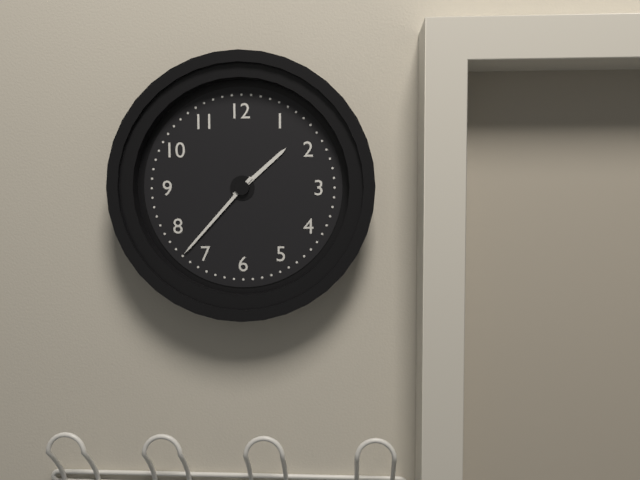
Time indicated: 1:37
